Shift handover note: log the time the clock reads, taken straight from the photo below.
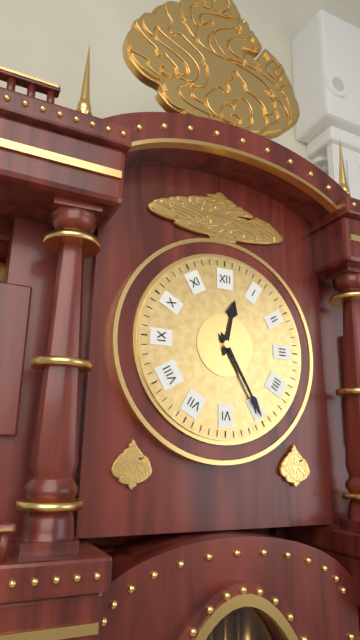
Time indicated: 12:25
